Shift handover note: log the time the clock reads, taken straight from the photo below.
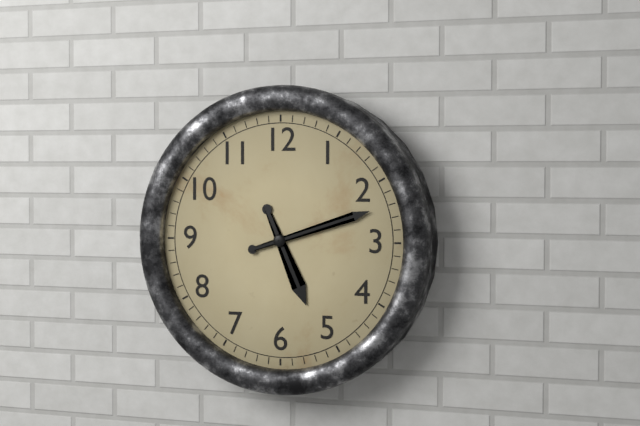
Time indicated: 5:12
